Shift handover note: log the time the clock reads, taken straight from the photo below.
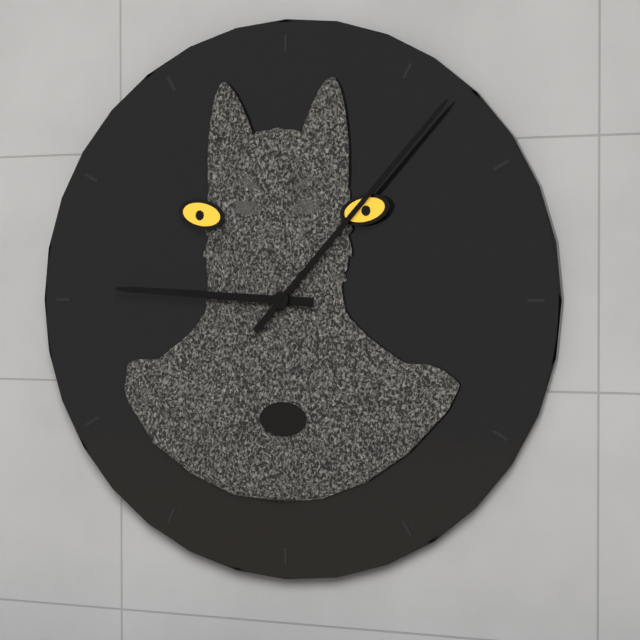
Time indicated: 9:07
